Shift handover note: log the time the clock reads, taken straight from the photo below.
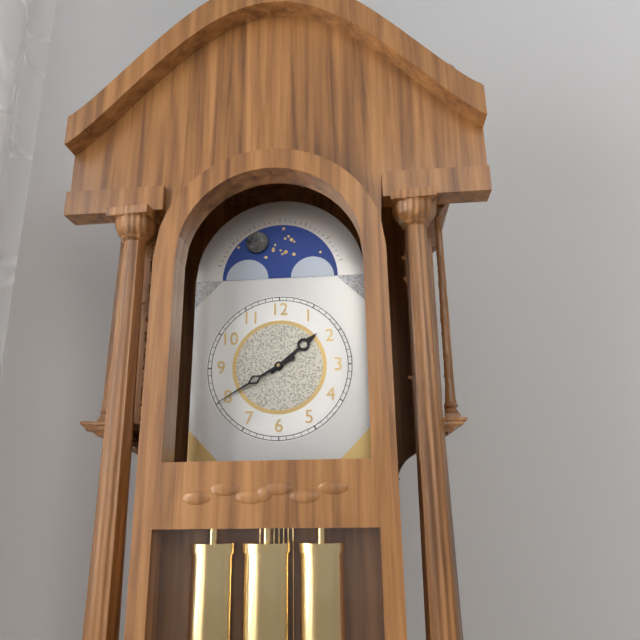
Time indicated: 1:40
